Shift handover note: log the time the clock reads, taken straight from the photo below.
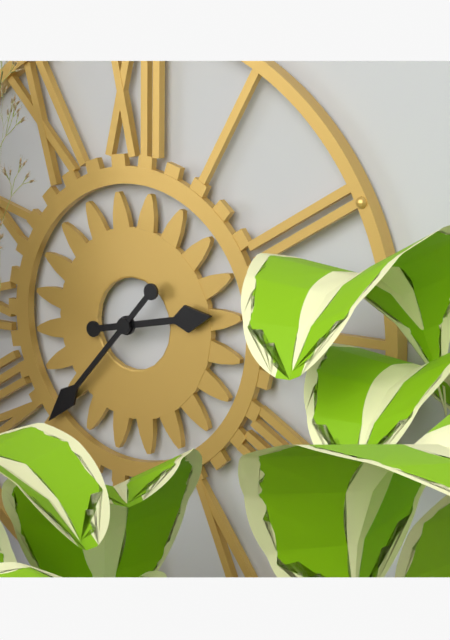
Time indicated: 2:37
